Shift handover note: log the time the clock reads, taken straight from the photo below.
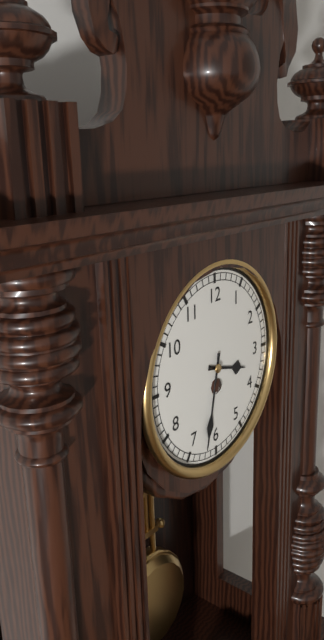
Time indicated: 3:32
